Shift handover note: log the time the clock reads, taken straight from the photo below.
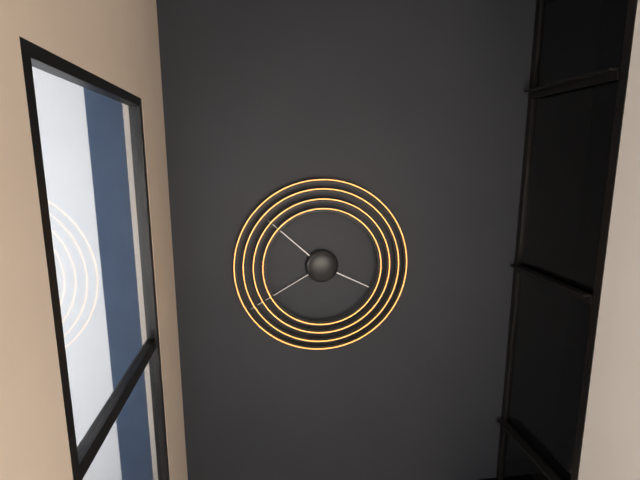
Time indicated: 3:52:40
